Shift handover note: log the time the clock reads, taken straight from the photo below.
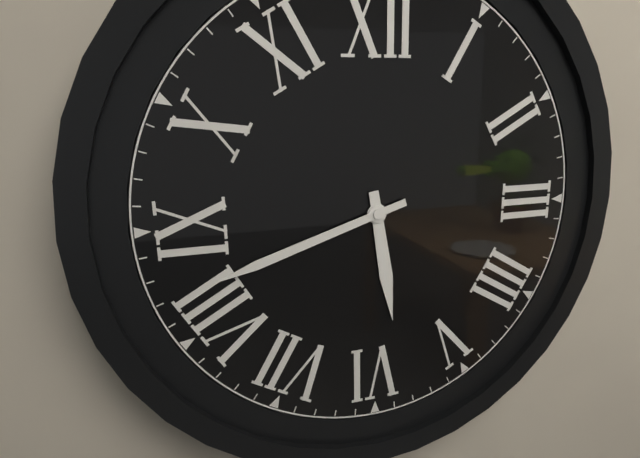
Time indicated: 5:42
